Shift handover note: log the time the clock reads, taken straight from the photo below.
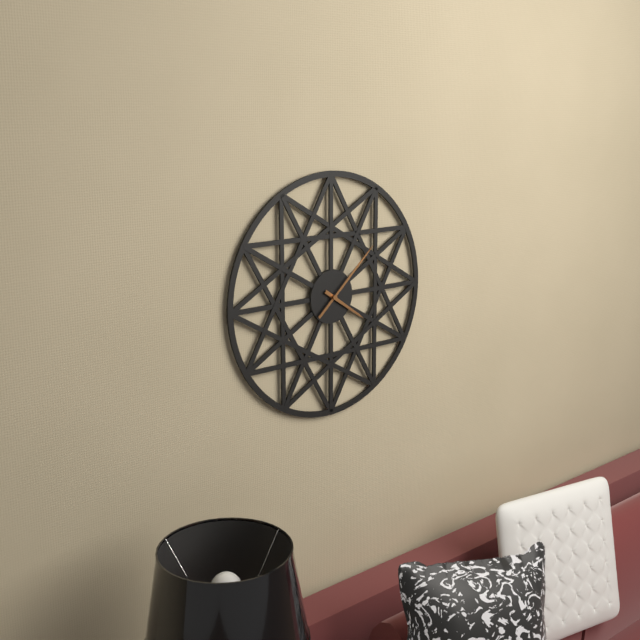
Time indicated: 4:08
